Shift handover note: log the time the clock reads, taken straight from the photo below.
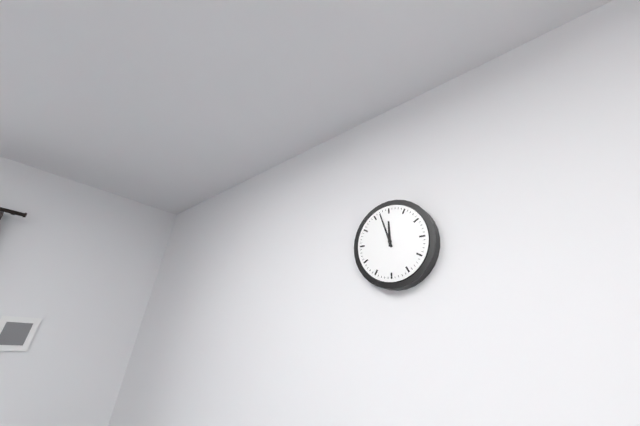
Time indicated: 11:57
